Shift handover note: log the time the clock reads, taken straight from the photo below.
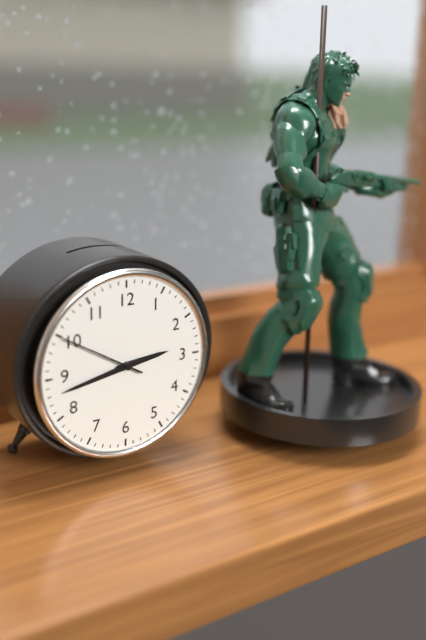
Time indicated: 2:43:50
